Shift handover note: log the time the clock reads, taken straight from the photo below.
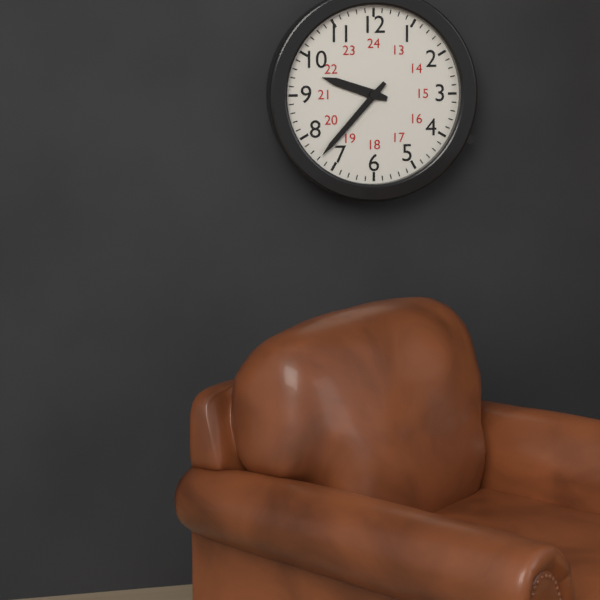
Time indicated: 9:37
